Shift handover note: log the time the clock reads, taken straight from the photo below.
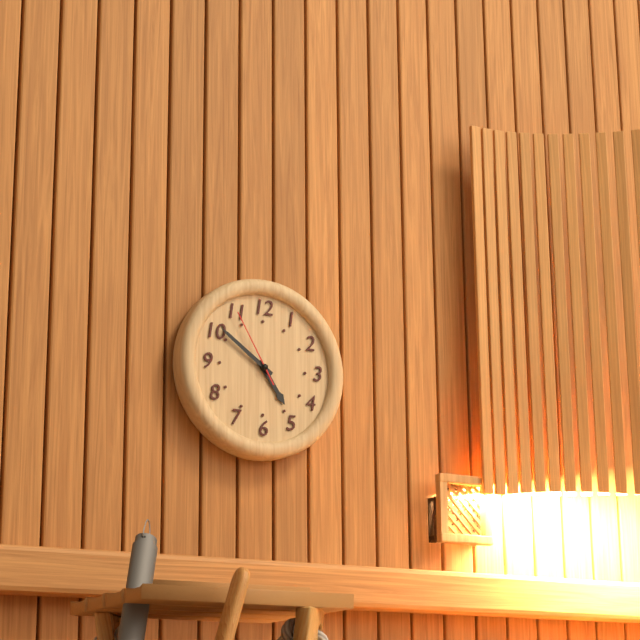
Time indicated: 4:51:55
